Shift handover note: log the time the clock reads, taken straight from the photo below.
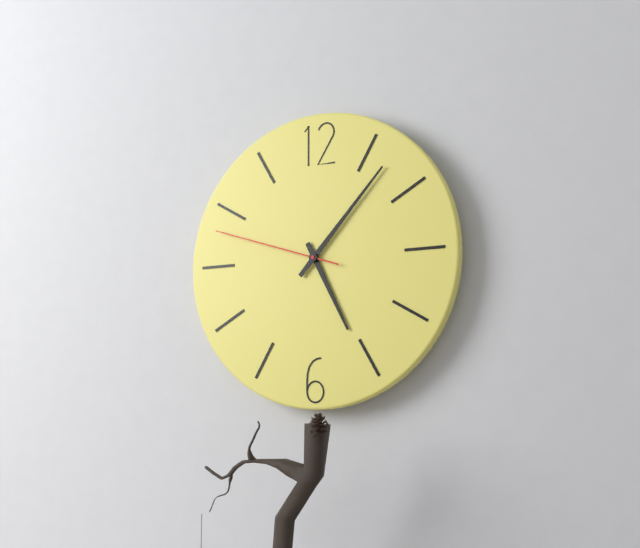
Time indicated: 5:07:48
